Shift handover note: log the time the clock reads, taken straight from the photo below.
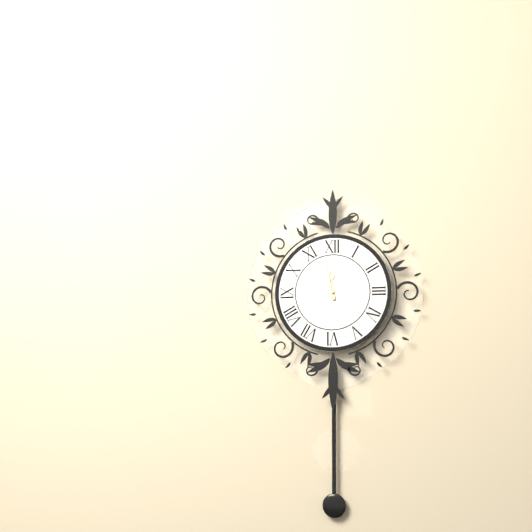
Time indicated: 11:58
